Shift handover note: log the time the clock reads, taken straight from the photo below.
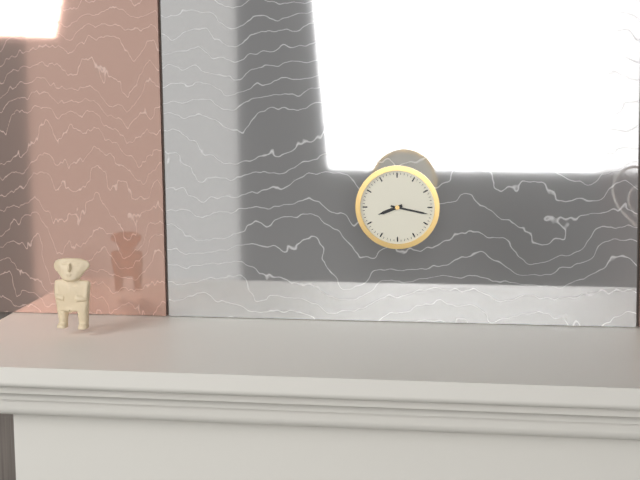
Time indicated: 8:17
